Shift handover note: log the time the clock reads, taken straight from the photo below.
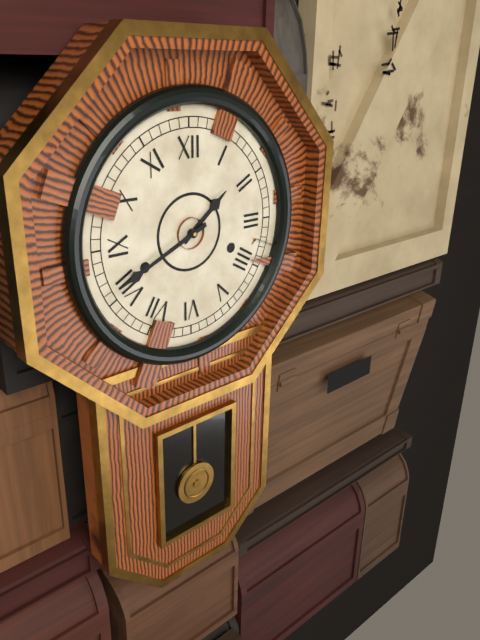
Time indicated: 1:41
